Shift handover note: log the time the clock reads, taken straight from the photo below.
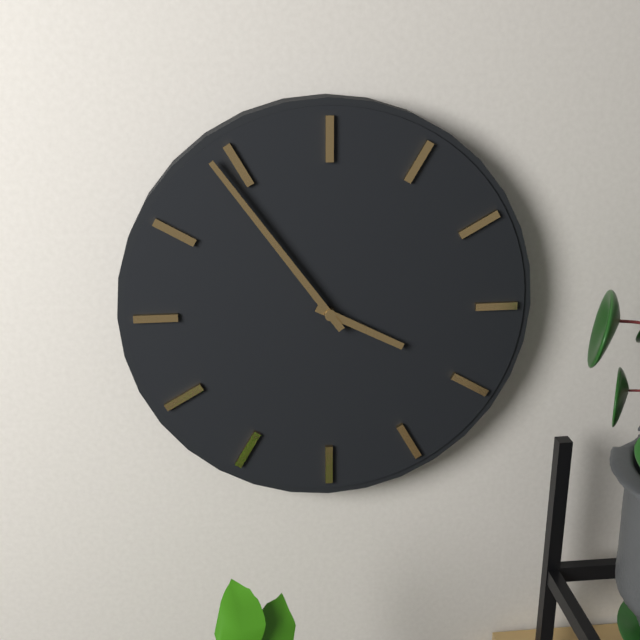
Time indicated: 3:54
